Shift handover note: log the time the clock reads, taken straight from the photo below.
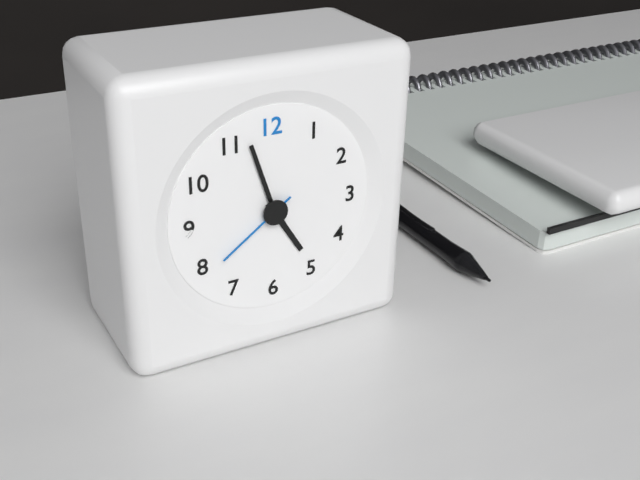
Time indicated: 4:57:39
